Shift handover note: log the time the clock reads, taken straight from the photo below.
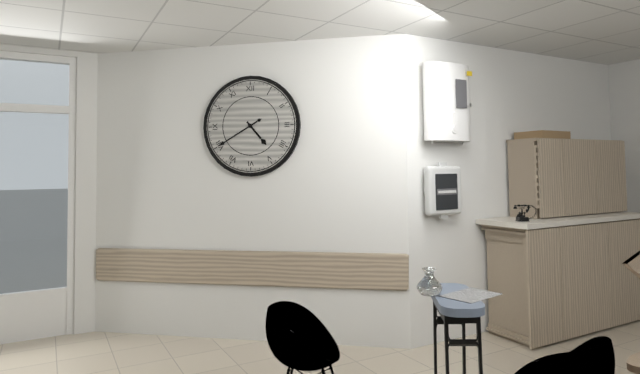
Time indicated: 4:40
